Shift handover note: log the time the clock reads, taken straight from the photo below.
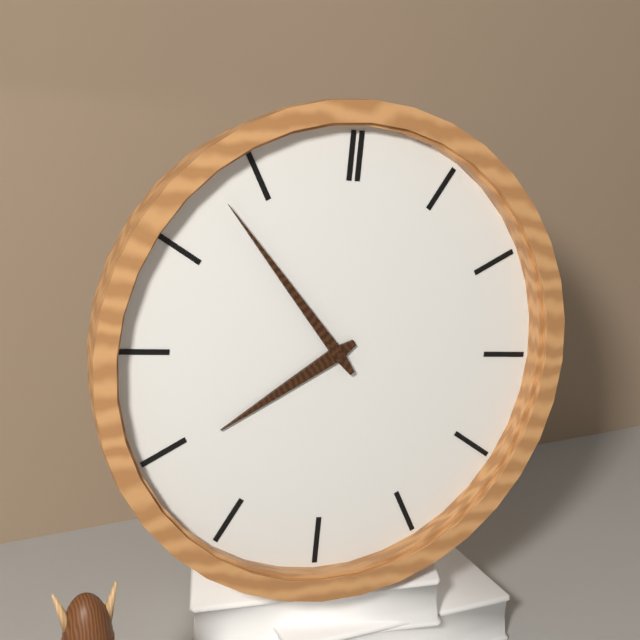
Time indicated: 7:53
